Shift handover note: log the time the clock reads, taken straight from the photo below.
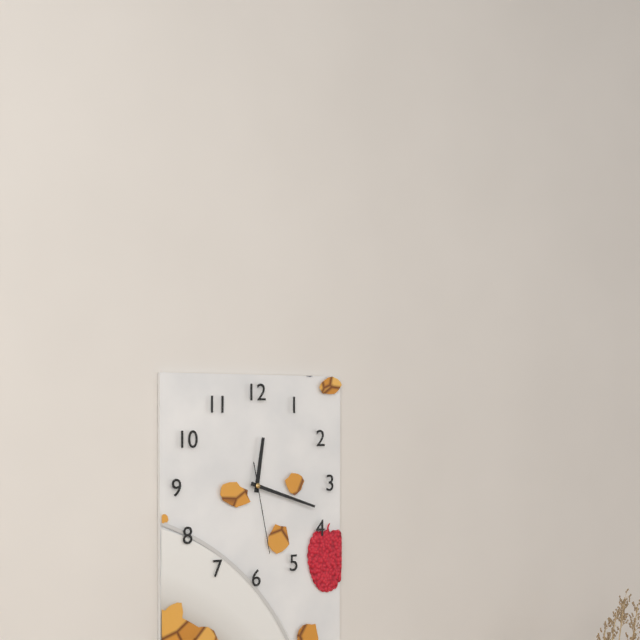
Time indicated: 12:18:28
